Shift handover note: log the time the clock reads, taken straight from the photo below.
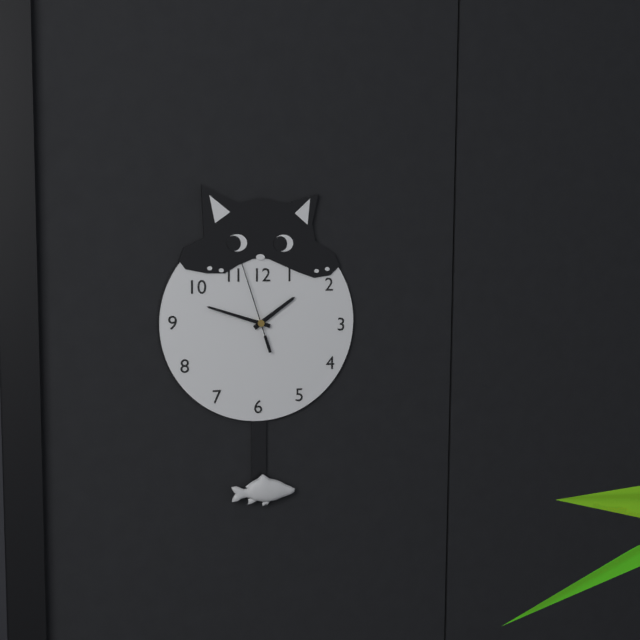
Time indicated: 1:48:57
